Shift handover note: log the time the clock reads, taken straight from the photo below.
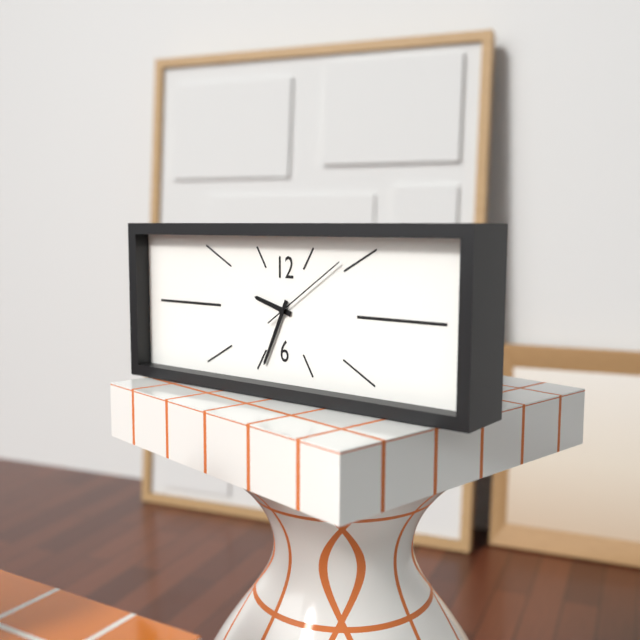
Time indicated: 9:34:09
